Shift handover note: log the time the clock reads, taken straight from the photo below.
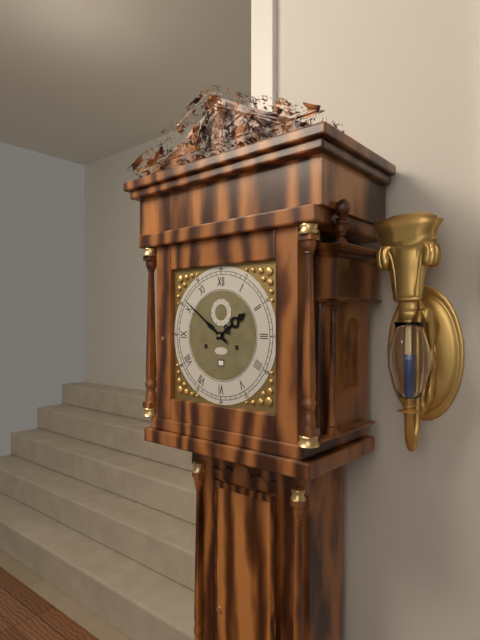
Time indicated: 1:51
